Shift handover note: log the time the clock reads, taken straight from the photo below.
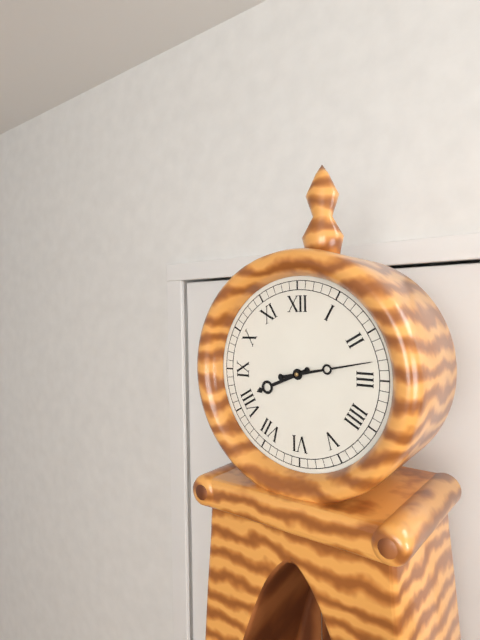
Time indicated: 8:13
